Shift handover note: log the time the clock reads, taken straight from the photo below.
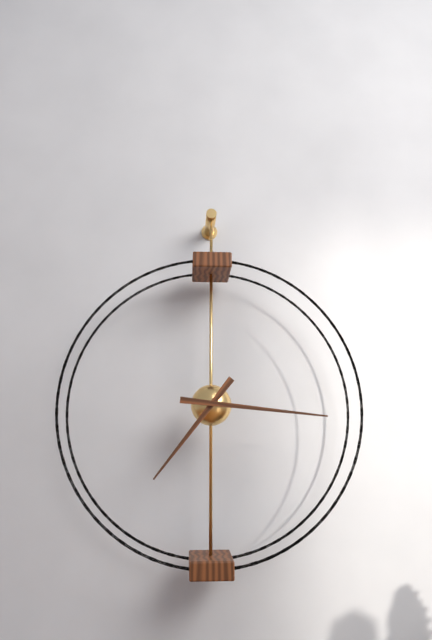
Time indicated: 7:16
